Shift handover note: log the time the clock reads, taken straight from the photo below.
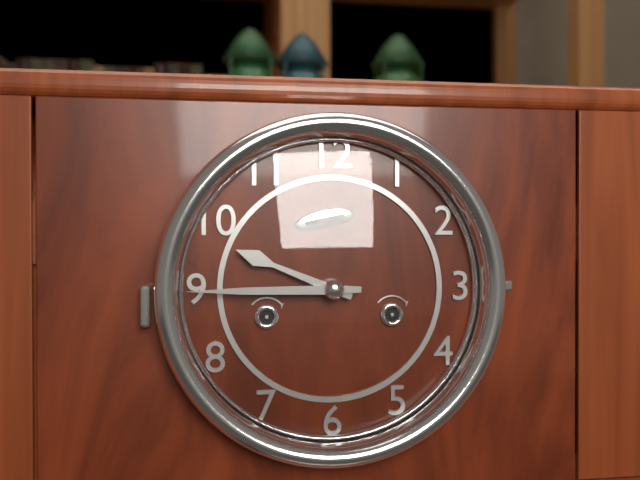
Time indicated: 9:45
